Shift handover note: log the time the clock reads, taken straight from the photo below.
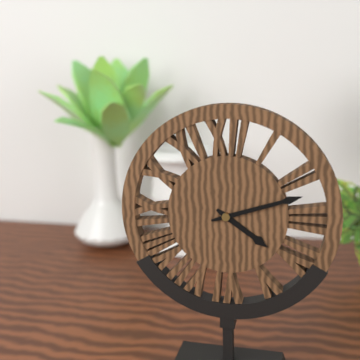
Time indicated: 4:12
